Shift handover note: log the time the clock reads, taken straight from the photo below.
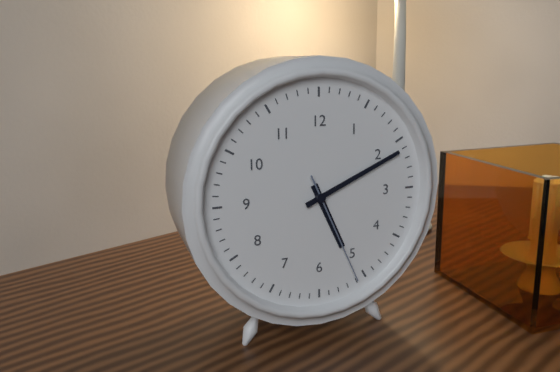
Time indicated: 5:11:26
